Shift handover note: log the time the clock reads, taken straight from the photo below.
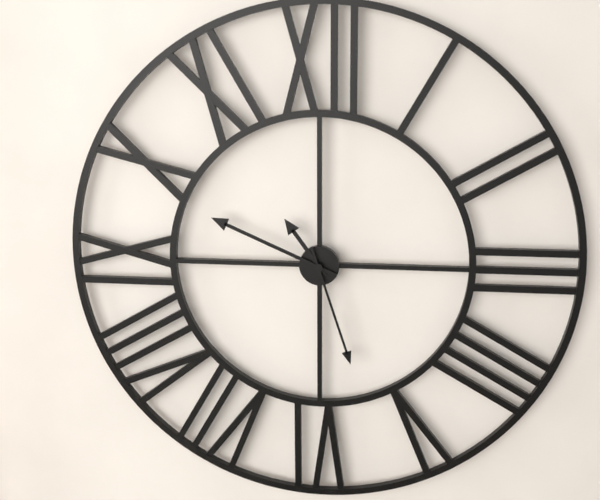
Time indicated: 10:49:27
